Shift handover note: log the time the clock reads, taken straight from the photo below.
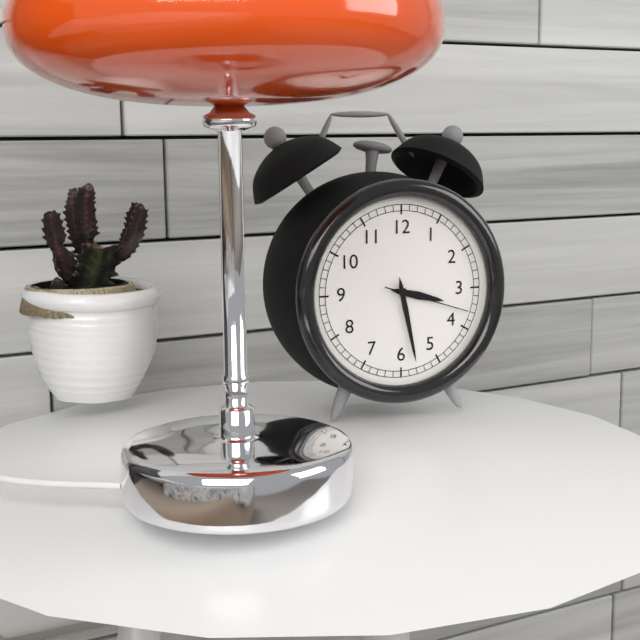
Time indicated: 3:28:18
